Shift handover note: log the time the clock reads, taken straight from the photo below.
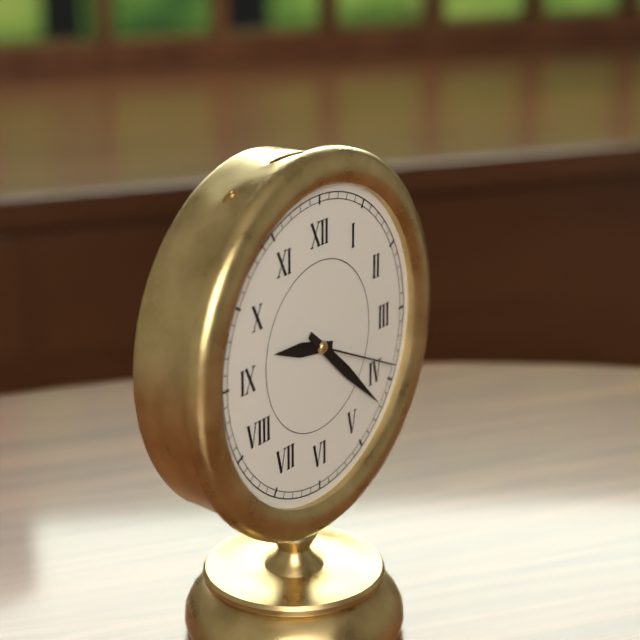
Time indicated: 9:22:19
